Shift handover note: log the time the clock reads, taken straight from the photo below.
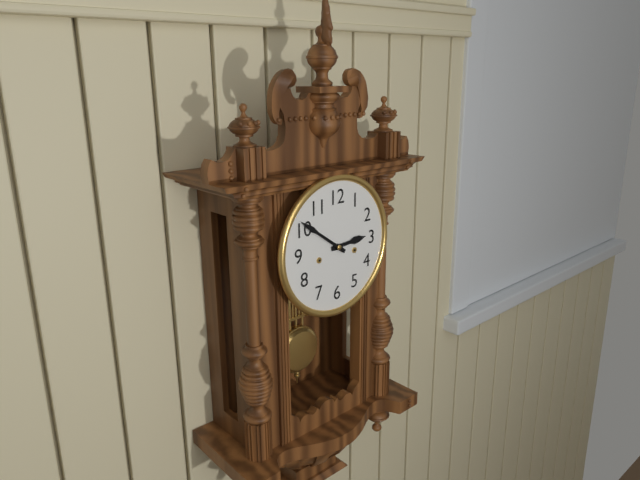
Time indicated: 2:51
